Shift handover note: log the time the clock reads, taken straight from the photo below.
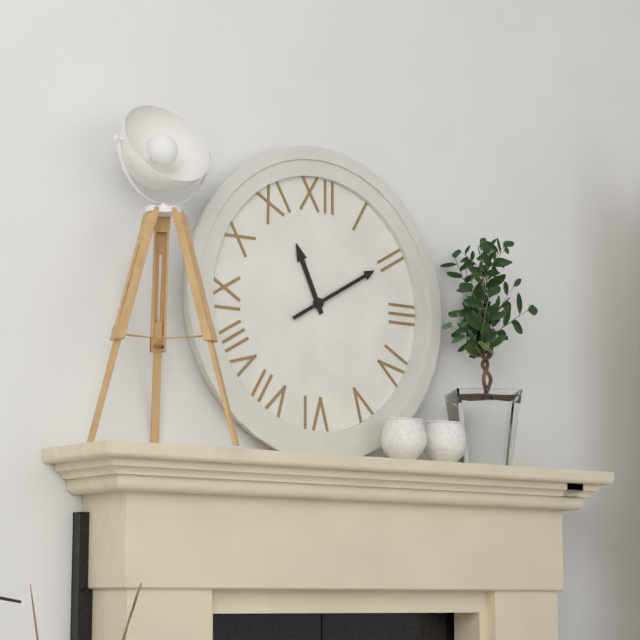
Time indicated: 11:10
